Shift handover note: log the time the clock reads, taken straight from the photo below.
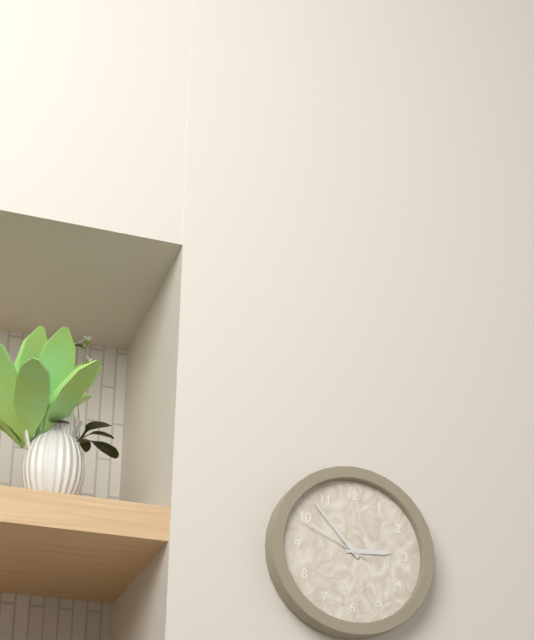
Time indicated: 2:53:49
